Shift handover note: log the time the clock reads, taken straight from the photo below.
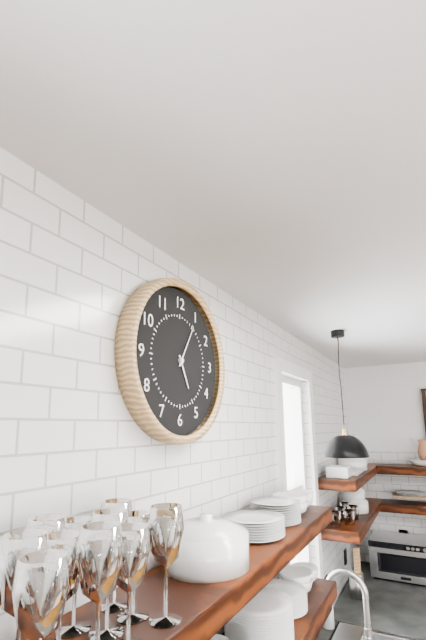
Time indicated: 5:05
